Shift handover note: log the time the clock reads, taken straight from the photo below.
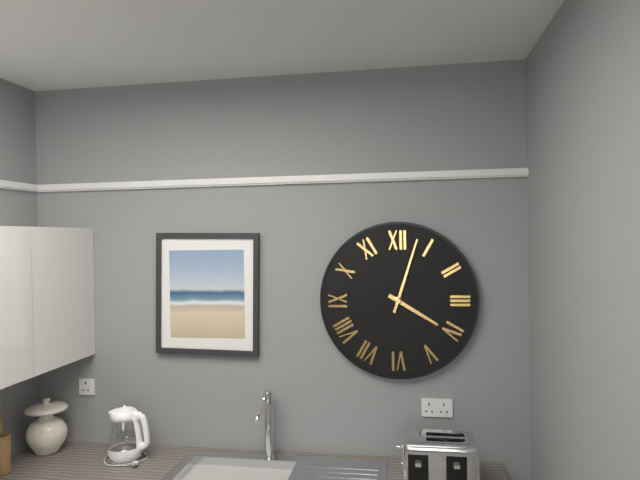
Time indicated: 4:03
